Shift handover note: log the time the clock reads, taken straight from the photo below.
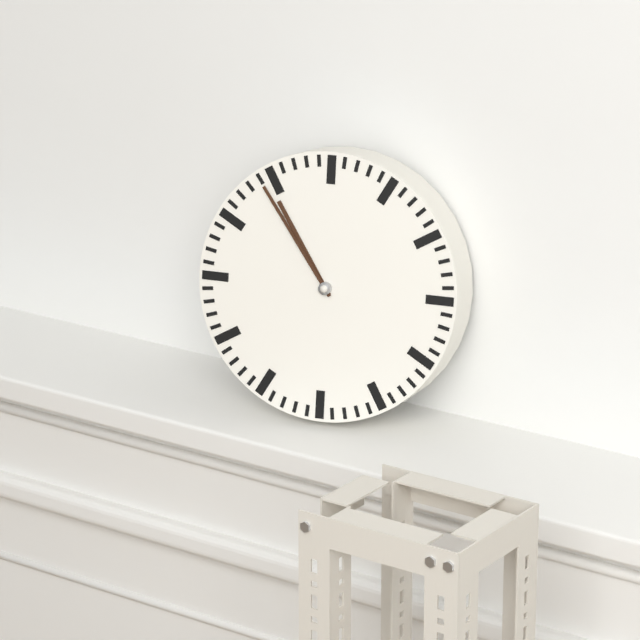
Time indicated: 10:54
